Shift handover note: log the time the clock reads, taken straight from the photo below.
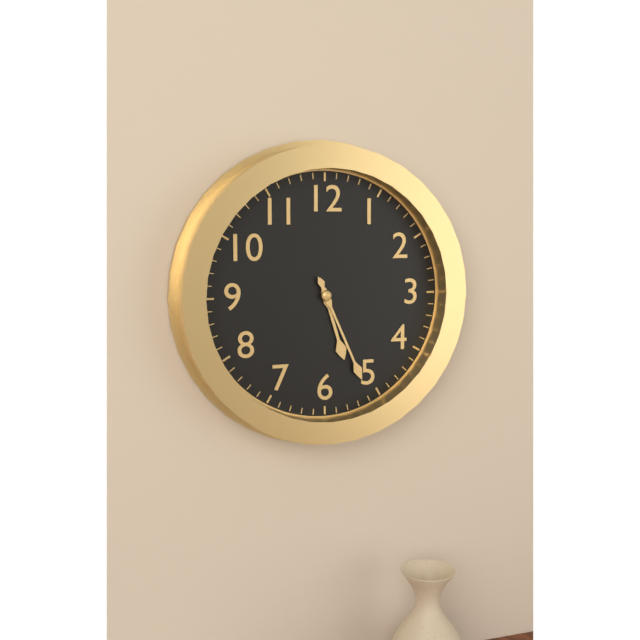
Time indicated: 5:26
